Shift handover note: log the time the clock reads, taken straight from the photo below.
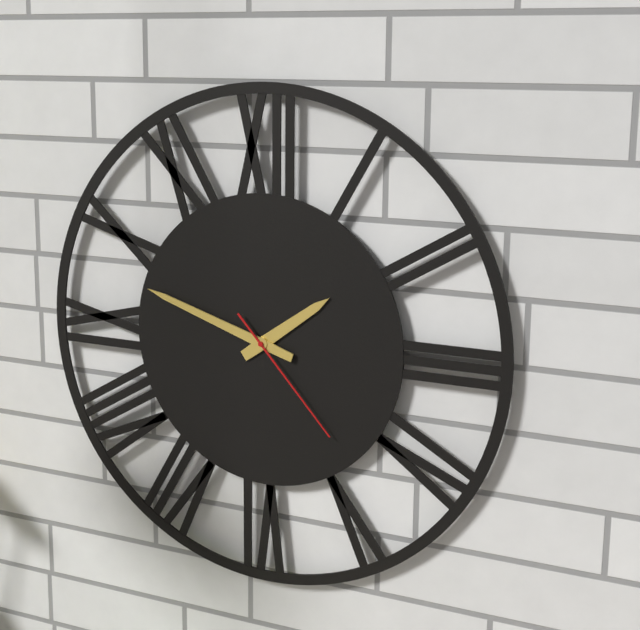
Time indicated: 1:48:23
